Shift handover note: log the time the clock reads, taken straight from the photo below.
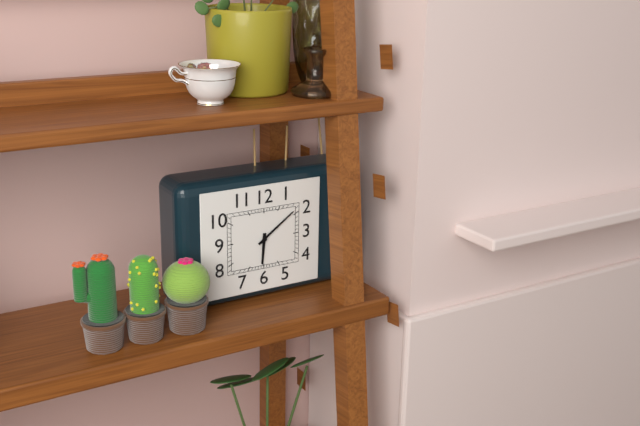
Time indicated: 6:09
